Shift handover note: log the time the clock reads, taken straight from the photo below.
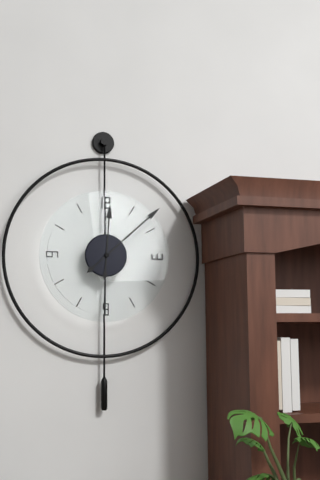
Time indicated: 12:08
